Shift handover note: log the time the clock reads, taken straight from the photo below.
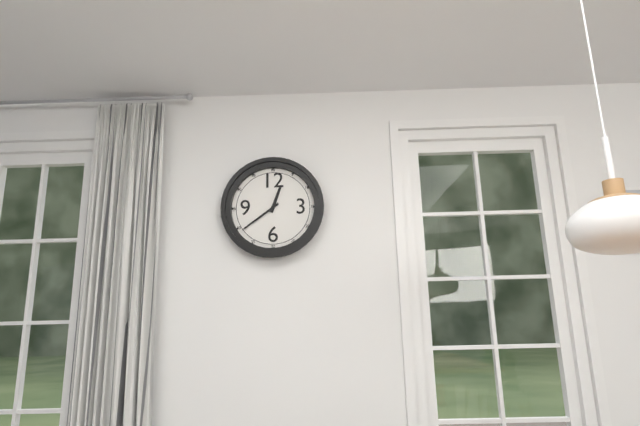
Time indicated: 12:39
